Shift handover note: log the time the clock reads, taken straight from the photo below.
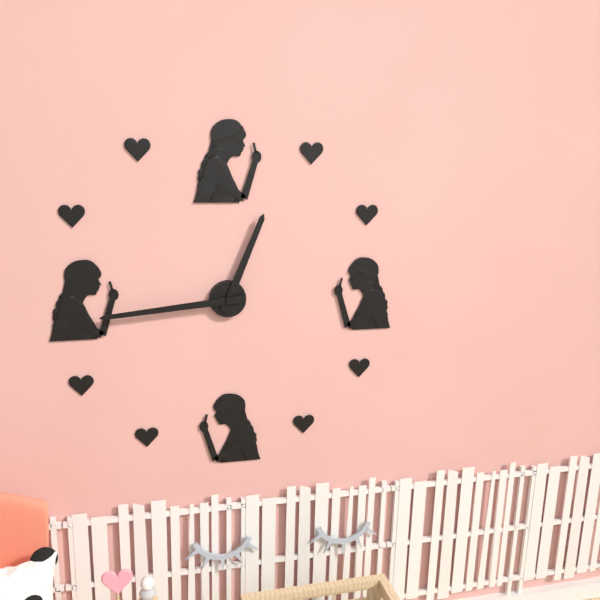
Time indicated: 12:44
